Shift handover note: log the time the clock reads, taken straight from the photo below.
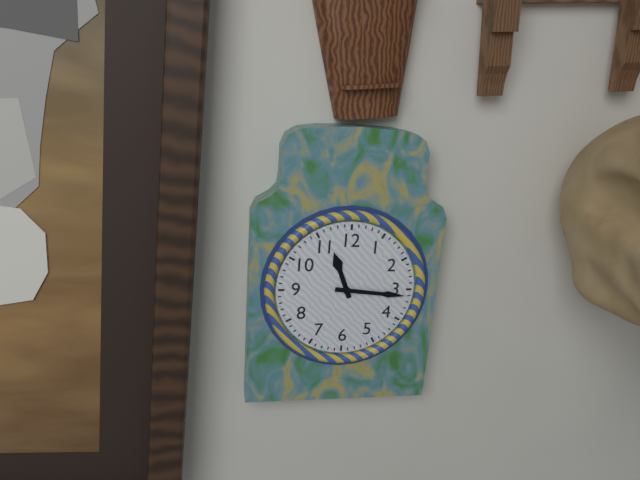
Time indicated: 11:16
